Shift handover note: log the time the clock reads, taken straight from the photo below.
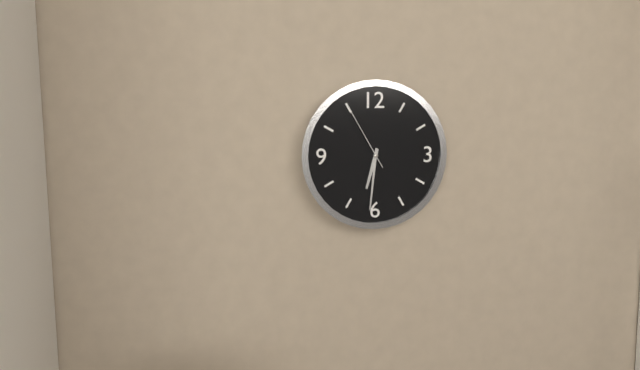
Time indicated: 6:31:55
